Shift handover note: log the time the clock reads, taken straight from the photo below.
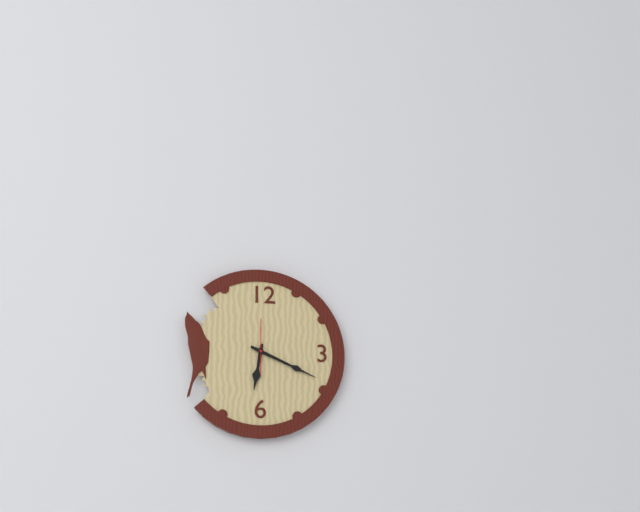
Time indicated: 6:19
